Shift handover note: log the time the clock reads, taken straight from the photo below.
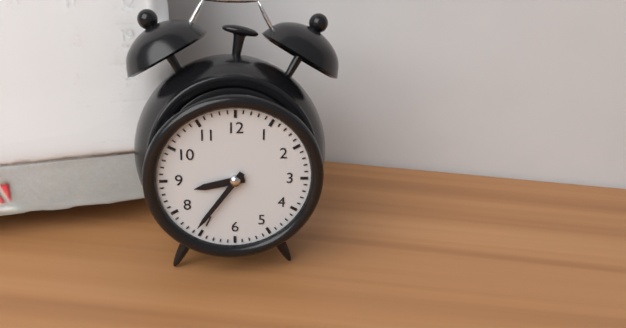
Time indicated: 8:36
